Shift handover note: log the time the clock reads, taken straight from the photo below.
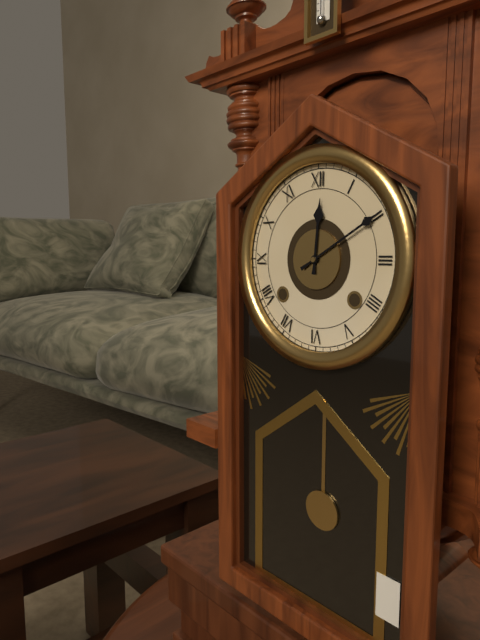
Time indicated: 12:10
